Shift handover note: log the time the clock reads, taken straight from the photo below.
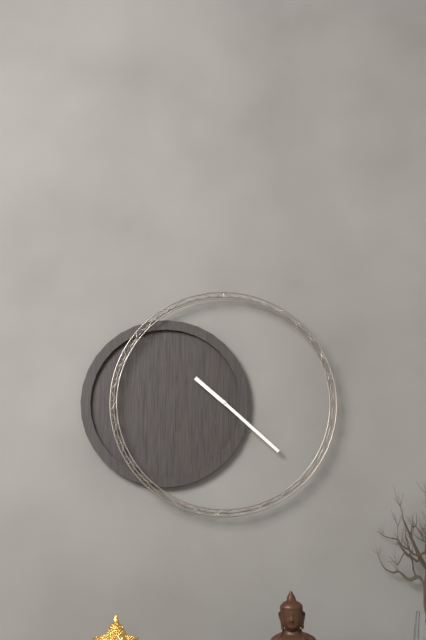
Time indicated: 10:22
